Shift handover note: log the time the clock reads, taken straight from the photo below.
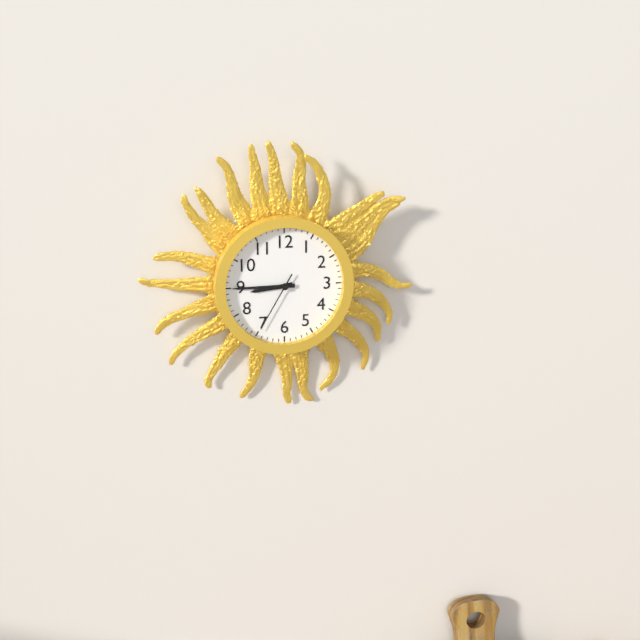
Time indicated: 8:45:35
